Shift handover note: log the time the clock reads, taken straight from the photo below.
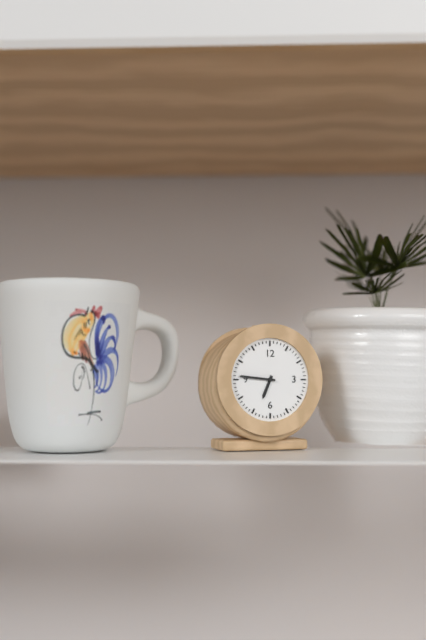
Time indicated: 6:46
